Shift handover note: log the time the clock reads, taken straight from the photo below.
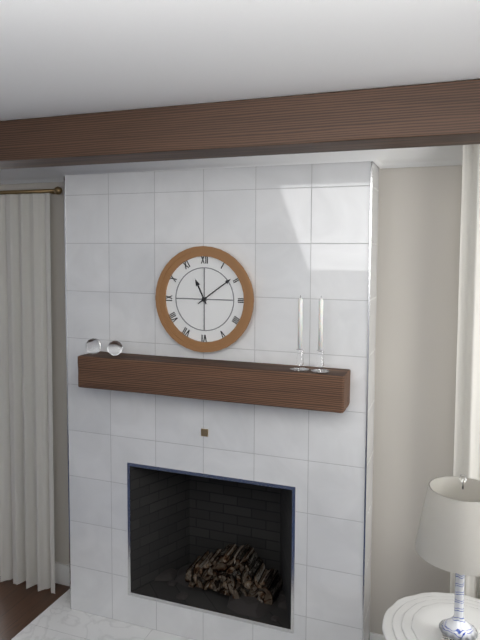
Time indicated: 11:09
